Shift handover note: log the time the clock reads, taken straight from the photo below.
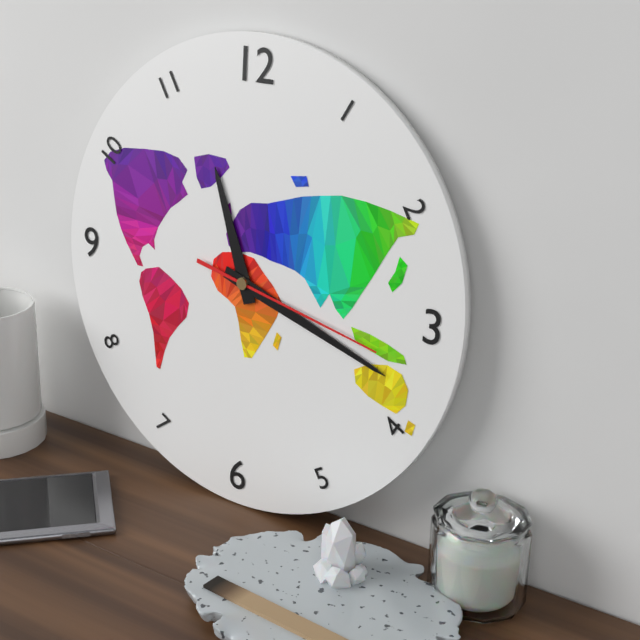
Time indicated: 11:18:17
